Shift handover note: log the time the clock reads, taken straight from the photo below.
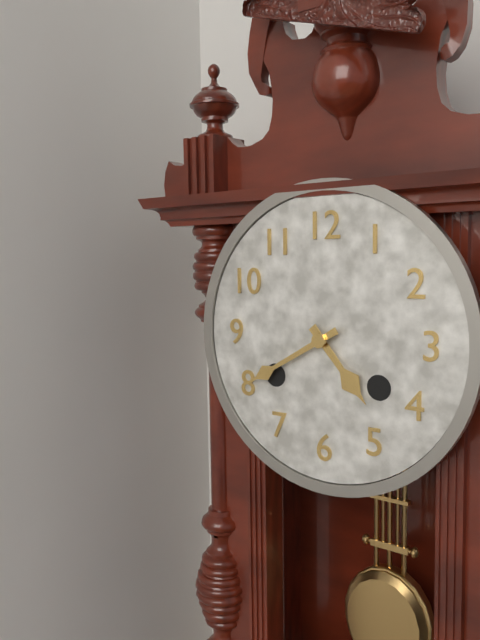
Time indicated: 4:40
